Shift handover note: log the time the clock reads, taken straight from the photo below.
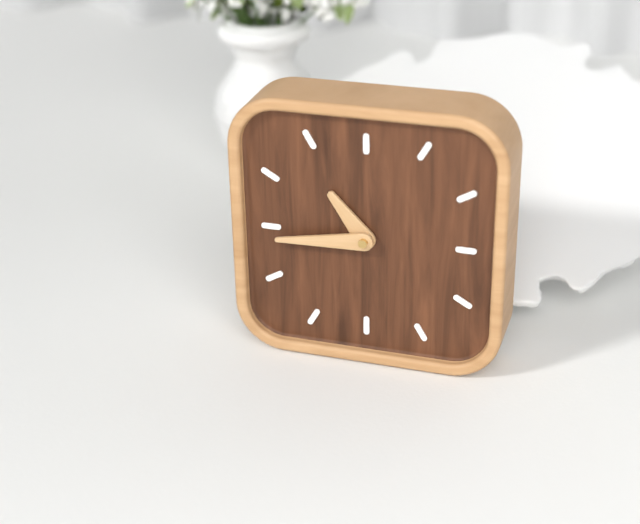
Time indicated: 10:44
